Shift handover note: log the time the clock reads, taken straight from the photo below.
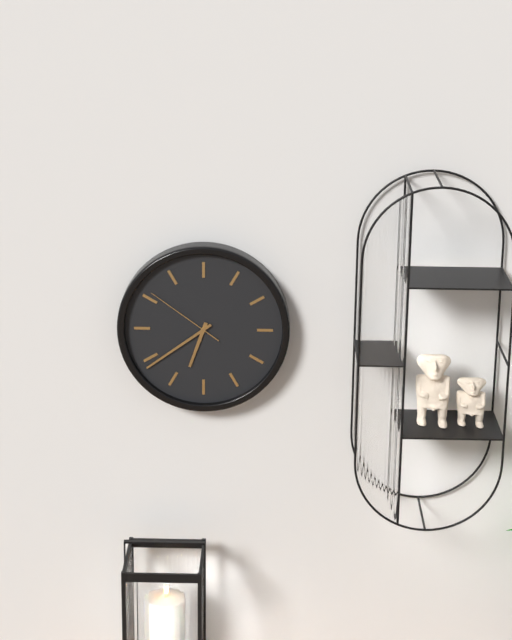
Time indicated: 6:39:51
